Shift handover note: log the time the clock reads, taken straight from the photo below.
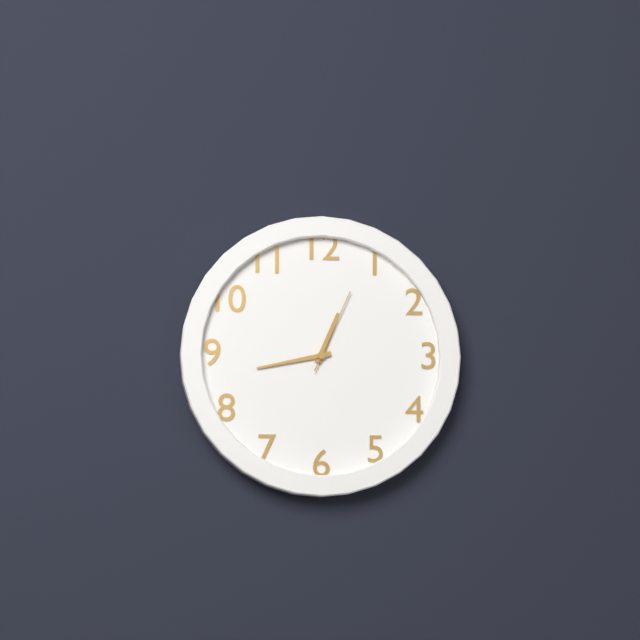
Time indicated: 12:43:04
